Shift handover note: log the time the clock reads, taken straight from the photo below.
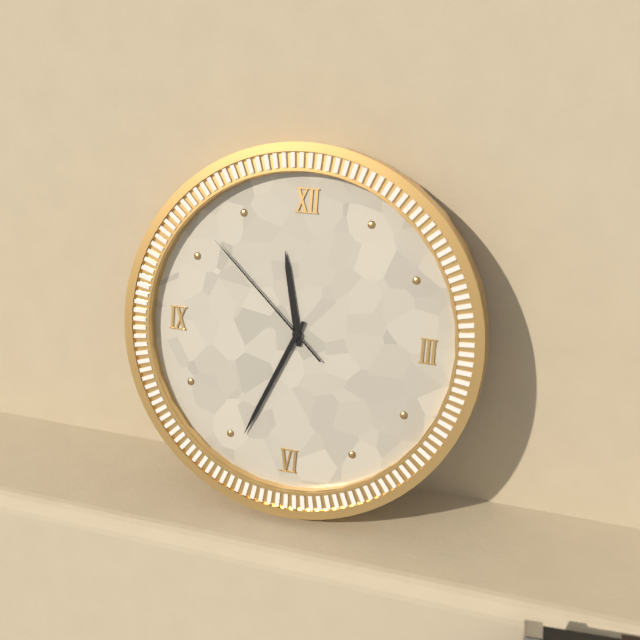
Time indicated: 11:34:52
